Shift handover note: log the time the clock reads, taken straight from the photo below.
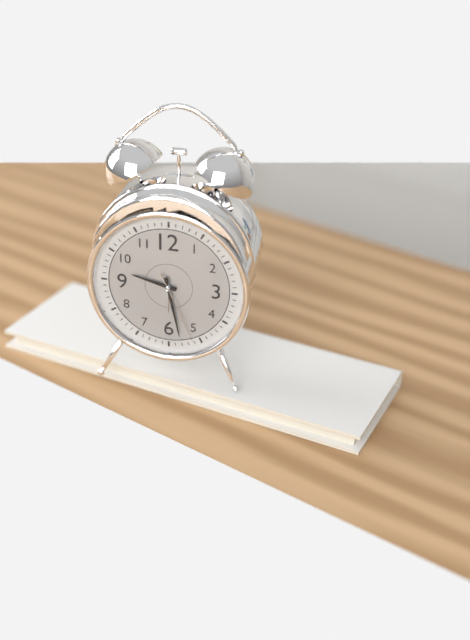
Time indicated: 9:28:26
